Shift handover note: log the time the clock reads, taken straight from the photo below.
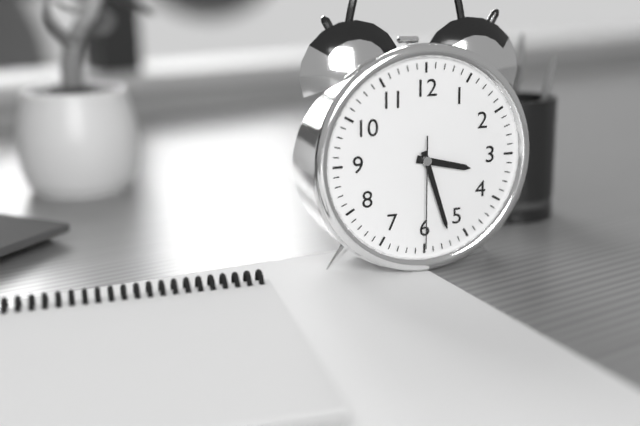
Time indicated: 3:27:30
